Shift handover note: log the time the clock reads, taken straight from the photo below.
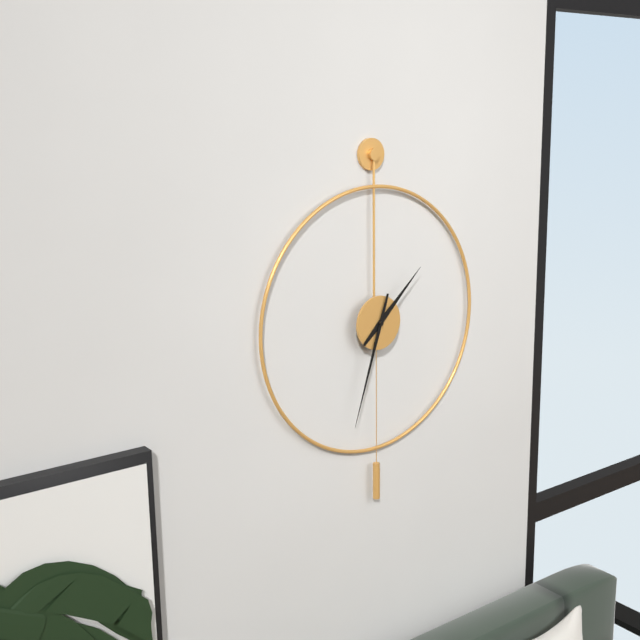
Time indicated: 1:33
